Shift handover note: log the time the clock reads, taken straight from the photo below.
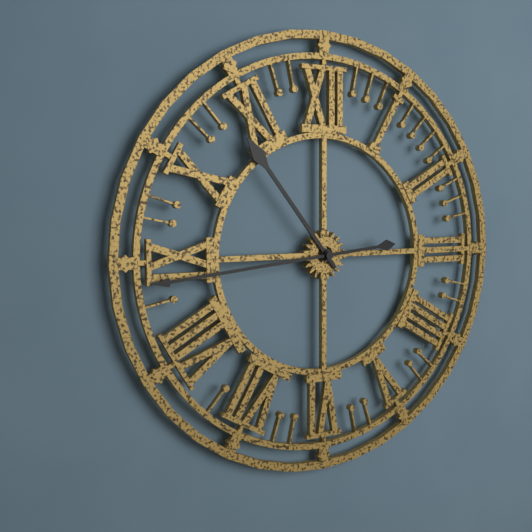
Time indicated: 10:44
